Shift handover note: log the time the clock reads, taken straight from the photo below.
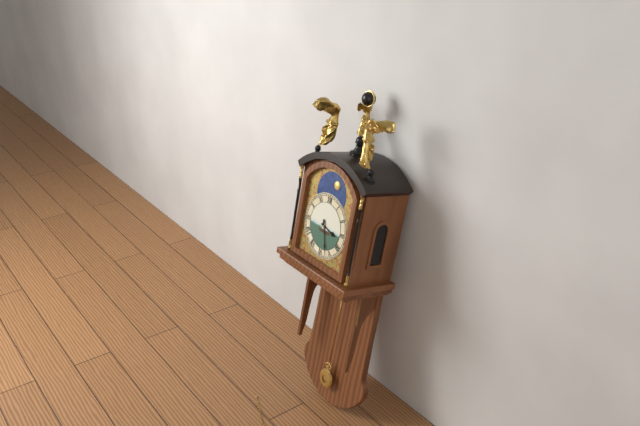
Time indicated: 3:27
